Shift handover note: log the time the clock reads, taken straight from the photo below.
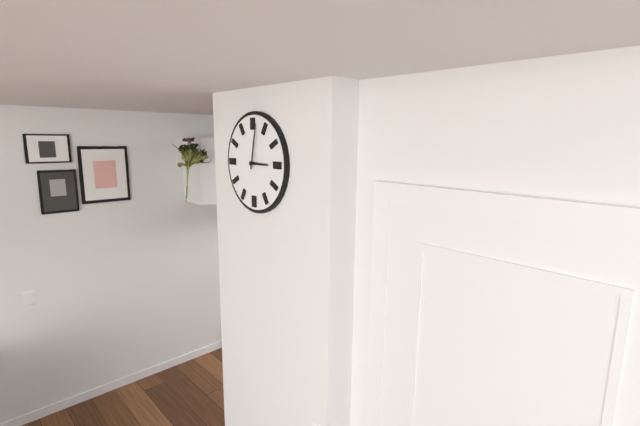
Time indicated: 3:02
